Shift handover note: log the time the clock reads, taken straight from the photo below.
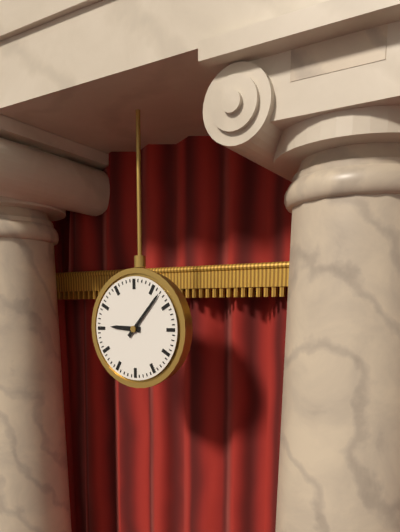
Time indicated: 9:07
